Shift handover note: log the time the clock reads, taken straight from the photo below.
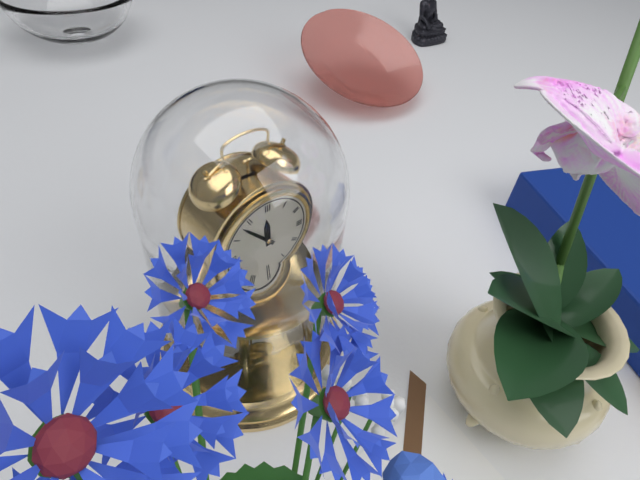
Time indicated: 11:53
